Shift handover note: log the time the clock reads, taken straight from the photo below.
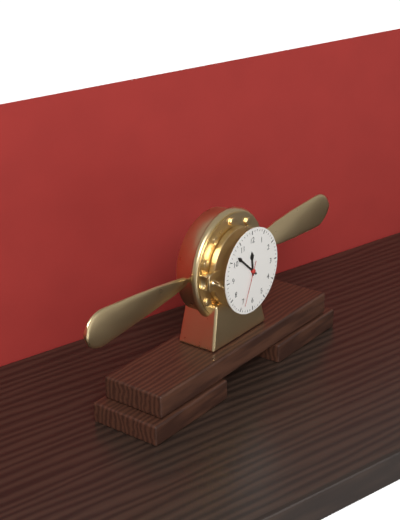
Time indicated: 11:52
